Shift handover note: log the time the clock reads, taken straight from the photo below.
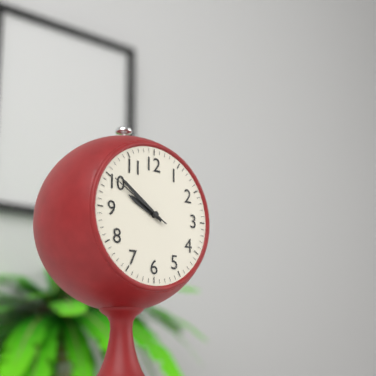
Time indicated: 9:51:50
